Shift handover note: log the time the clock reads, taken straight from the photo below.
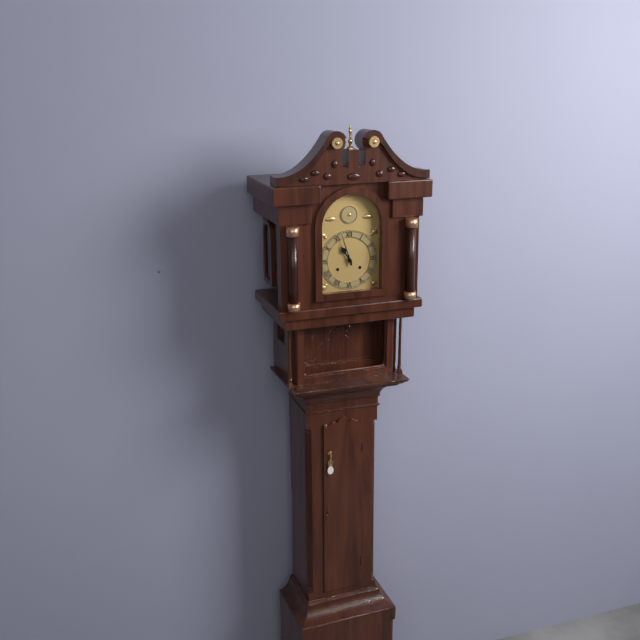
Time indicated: 10:57
